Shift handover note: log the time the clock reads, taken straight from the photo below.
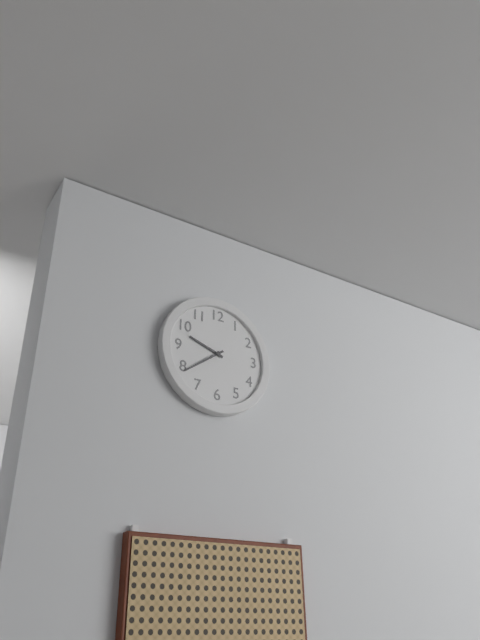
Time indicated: 9:39
